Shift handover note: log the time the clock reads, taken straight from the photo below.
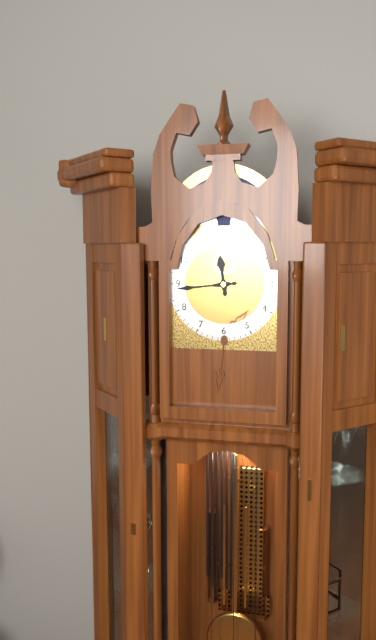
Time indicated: 11:44
